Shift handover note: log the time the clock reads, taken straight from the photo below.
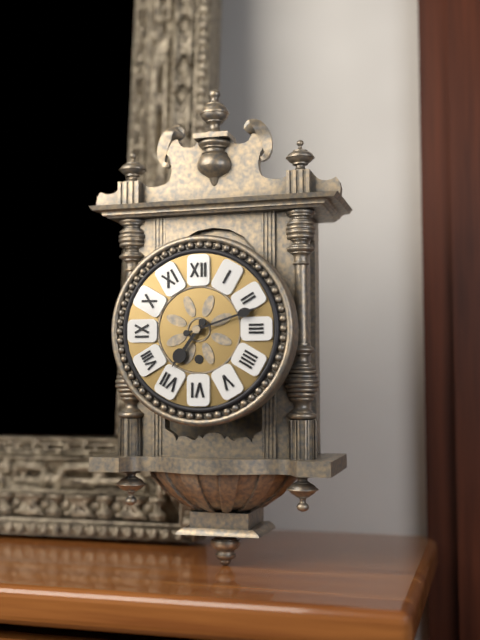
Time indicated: 7:12
